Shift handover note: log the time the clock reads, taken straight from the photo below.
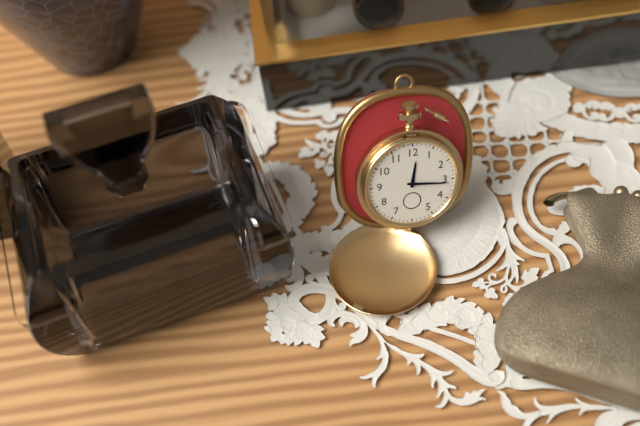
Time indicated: 12:16
